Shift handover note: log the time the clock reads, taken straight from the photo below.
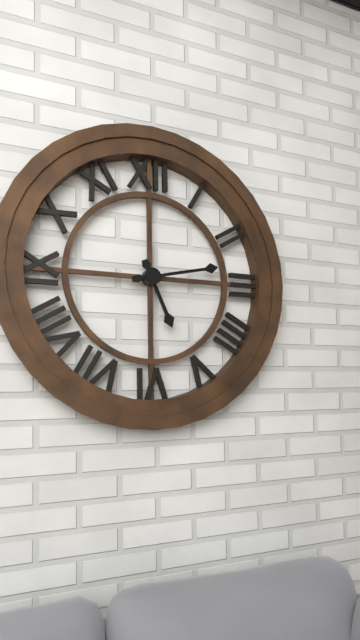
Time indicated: 5:13
